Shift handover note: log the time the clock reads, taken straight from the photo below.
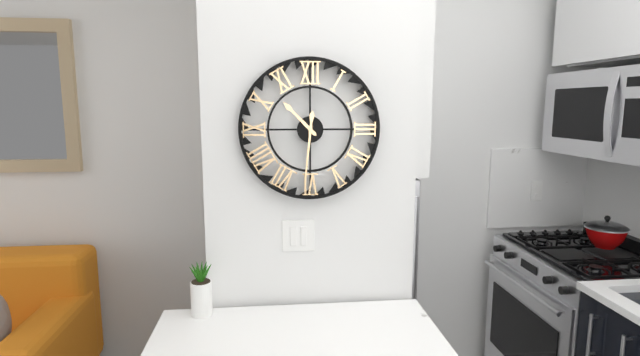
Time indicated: 10:31
